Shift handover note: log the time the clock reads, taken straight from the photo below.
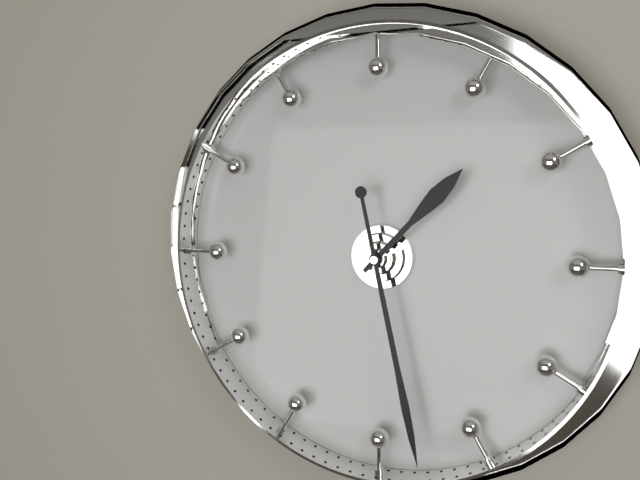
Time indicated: 1:28
